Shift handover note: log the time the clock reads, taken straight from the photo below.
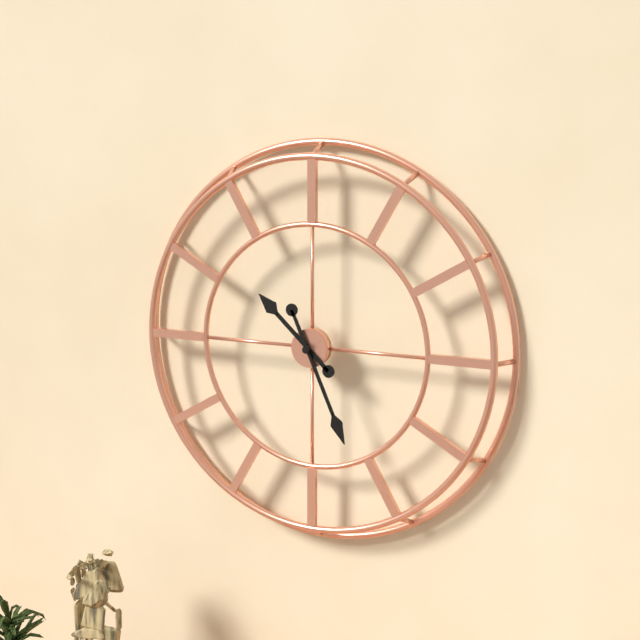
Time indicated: 10:26
